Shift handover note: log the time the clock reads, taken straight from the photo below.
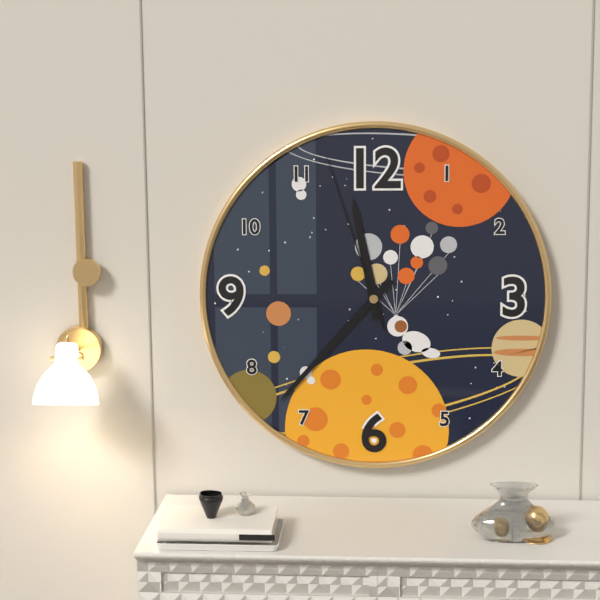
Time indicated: 11:37:57
